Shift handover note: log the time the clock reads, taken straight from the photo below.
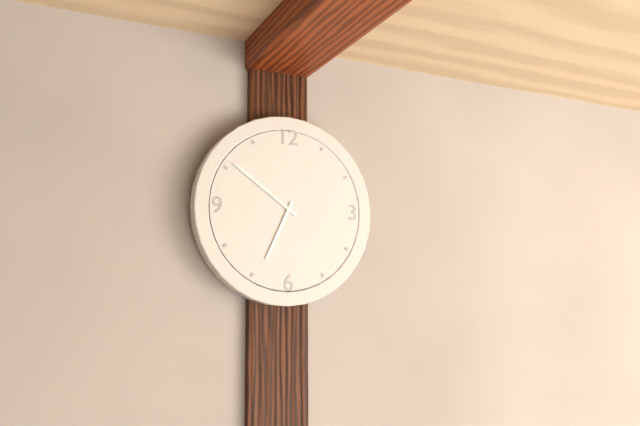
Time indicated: 6:51
